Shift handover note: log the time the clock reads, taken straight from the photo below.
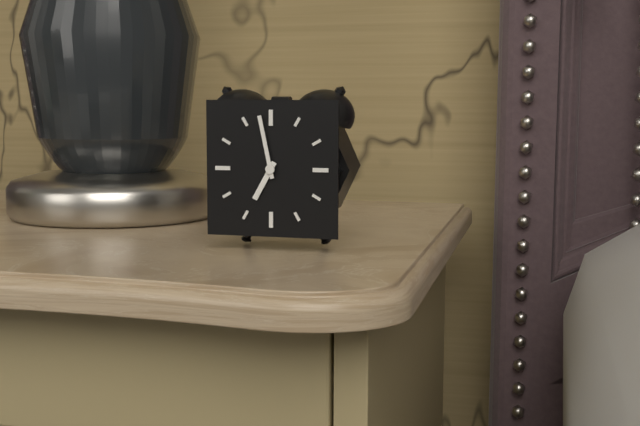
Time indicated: 6:58
